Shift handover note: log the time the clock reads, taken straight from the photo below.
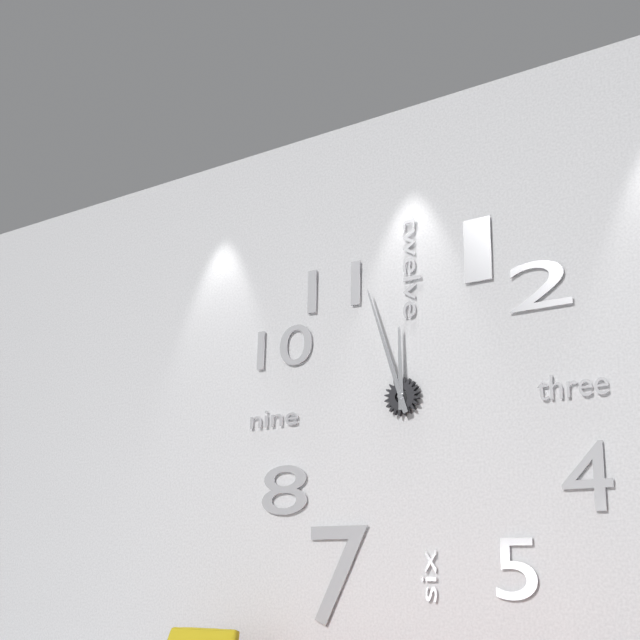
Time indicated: 11:57
